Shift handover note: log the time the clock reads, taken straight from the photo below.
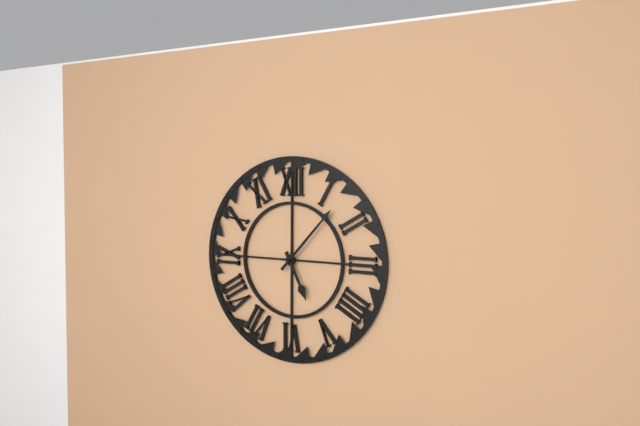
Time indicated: 5:07
